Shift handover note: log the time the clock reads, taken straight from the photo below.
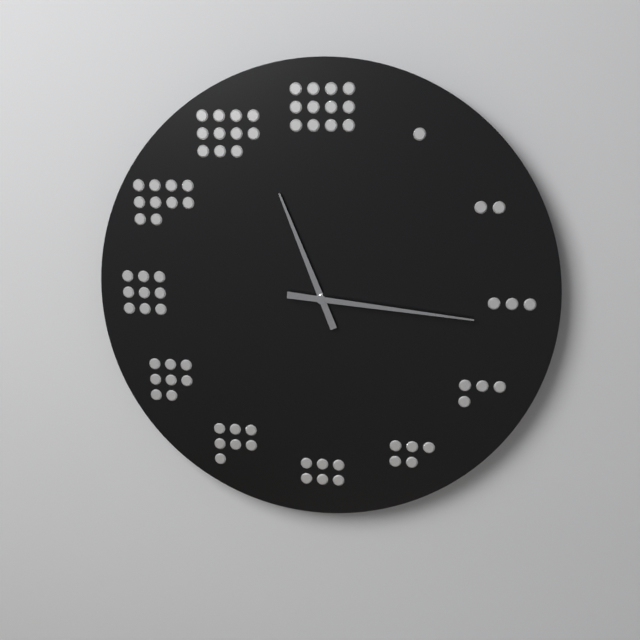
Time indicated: 11:16
